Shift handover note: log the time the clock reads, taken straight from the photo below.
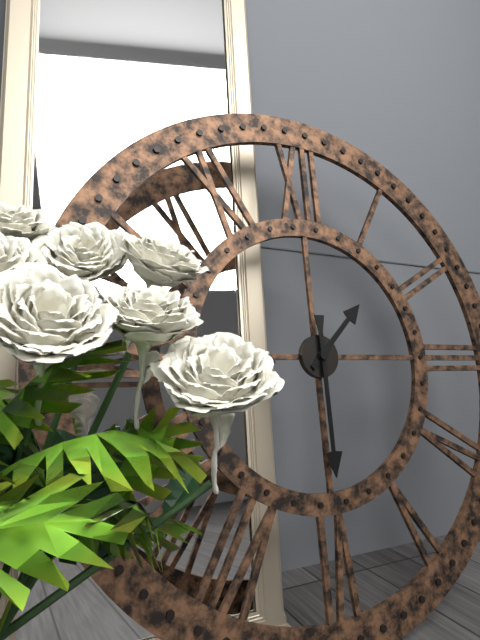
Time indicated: 1:30
